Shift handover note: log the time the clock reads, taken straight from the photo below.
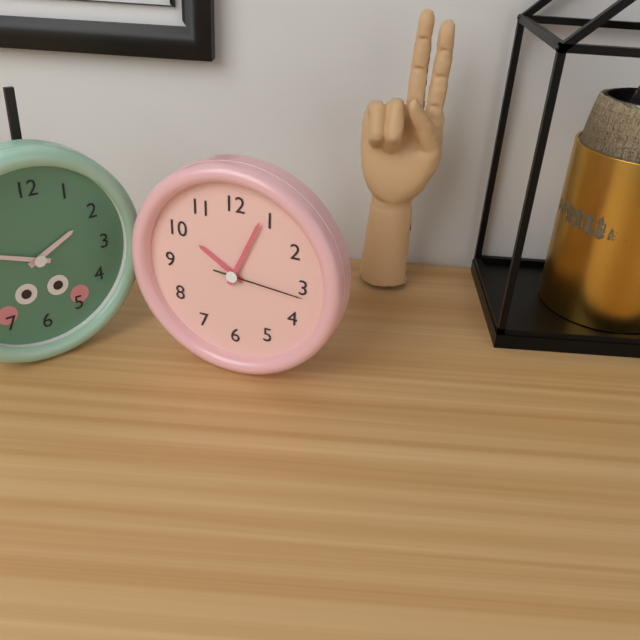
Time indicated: 10:04:16
